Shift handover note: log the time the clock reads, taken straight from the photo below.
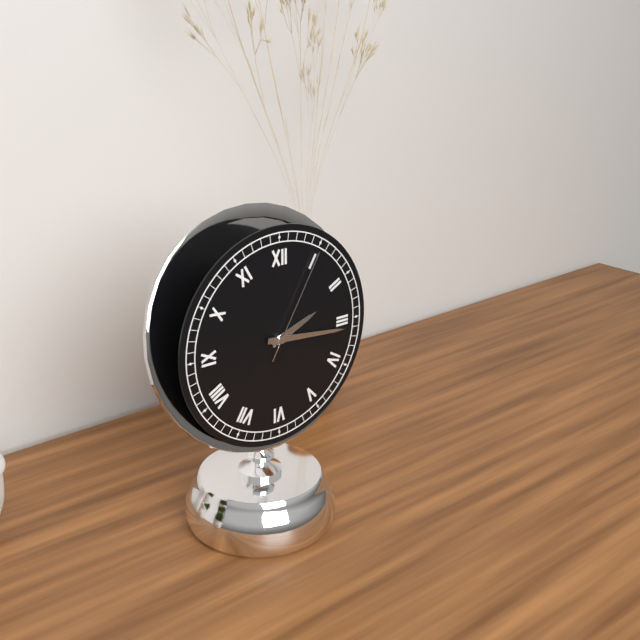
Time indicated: 2:16:05
